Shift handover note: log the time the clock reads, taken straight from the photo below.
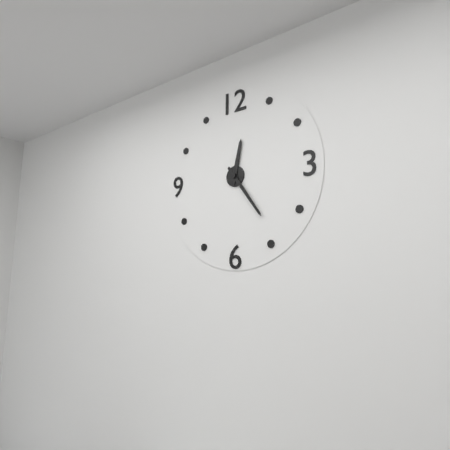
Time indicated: 12:24
